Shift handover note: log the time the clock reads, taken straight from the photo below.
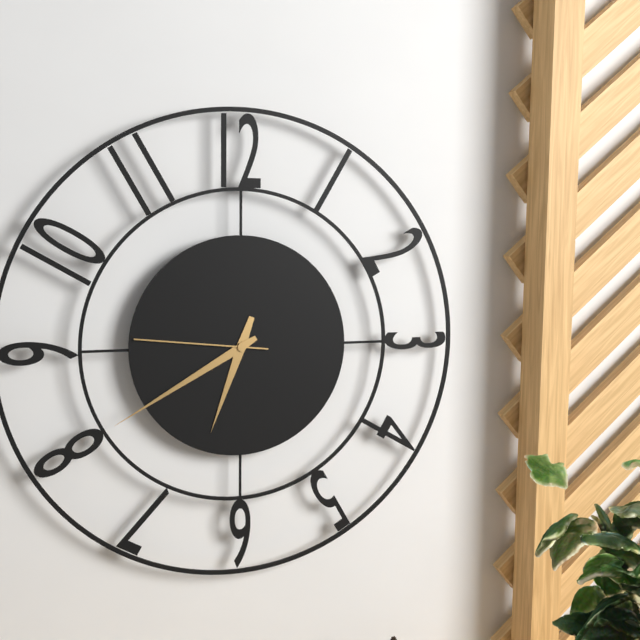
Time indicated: 6:40:46
